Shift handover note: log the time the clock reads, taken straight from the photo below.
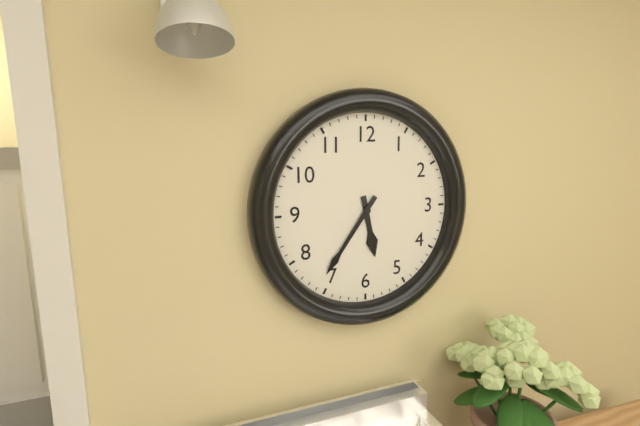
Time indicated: 5:36
